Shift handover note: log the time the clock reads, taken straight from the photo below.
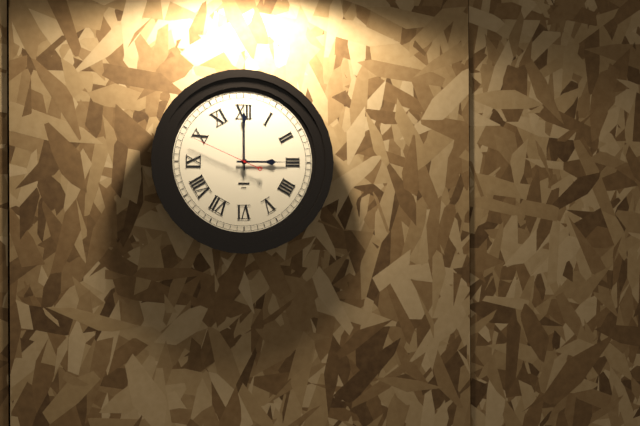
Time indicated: 3:00:49
